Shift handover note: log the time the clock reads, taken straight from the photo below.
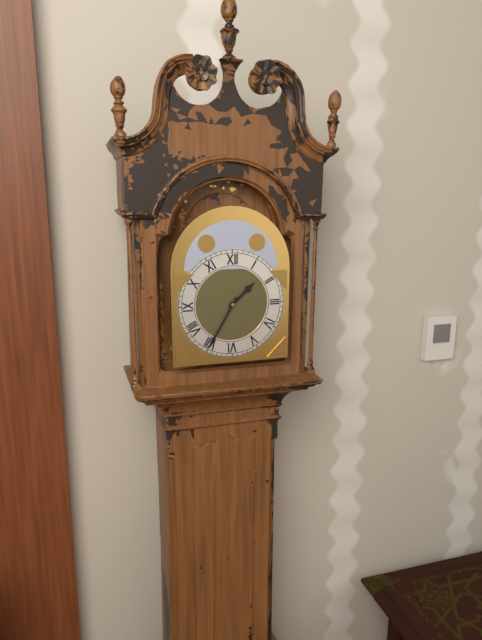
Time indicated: 1:35
